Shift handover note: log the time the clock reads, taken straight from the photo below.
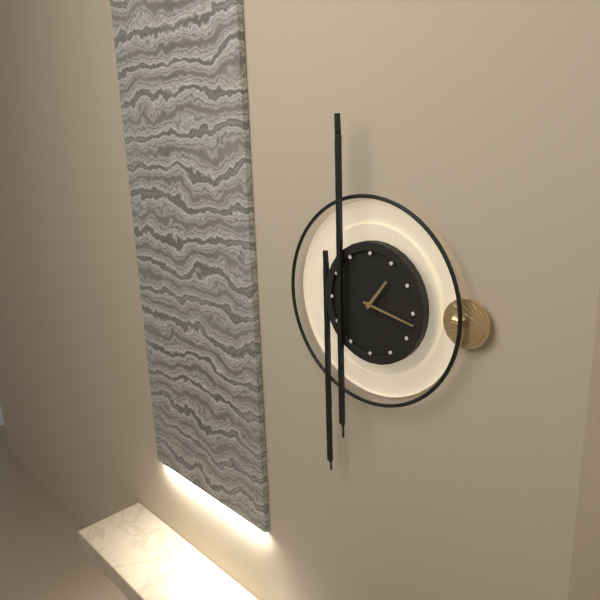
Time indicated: 1:17
